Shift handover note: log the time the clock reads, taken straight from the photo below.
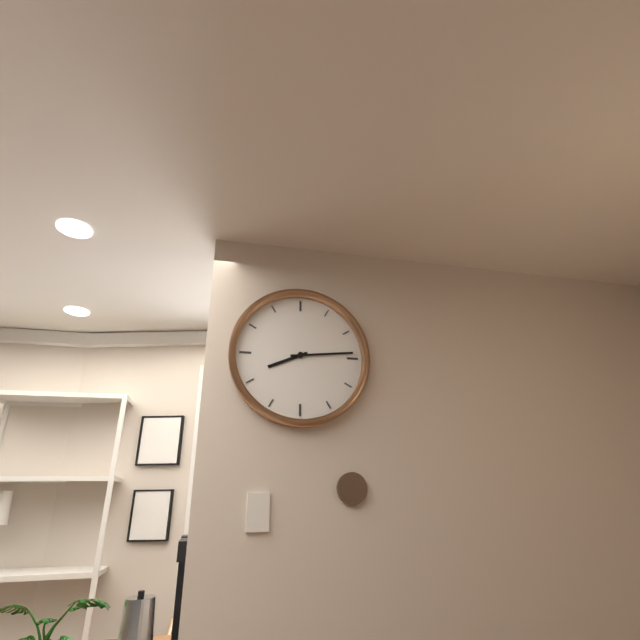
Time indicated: 8:14
